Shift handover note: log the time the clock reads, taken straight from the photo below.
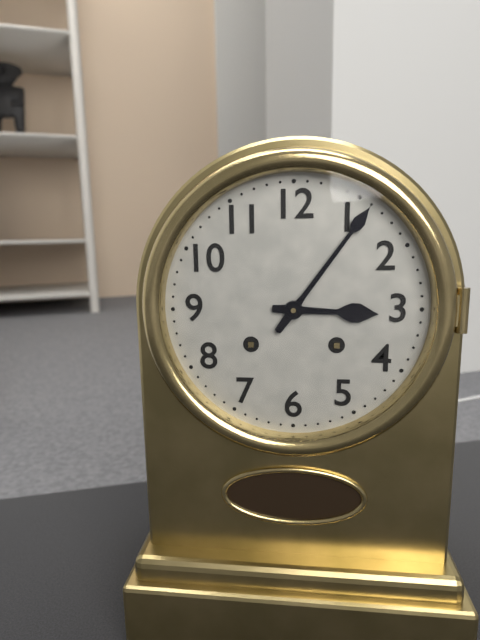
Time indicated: 3:06
